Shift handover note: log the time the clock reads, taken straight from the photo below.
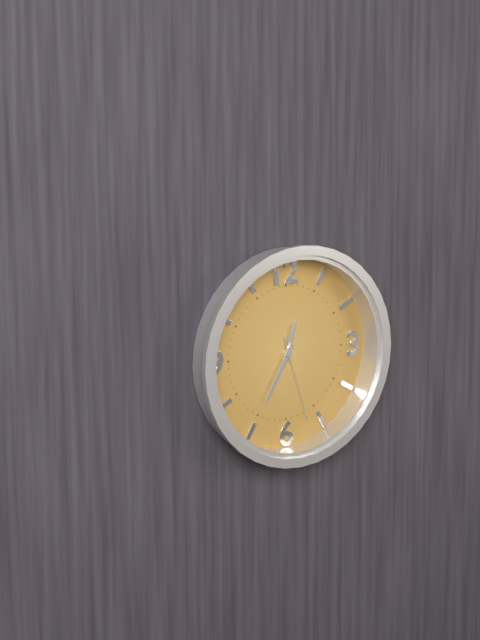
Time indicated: 12:35:27
